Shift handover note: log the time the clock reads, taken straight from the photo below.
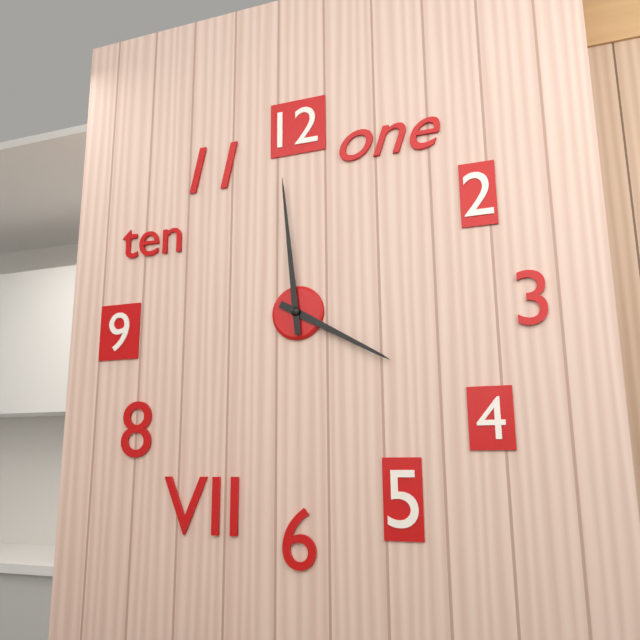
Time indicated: 3:59
